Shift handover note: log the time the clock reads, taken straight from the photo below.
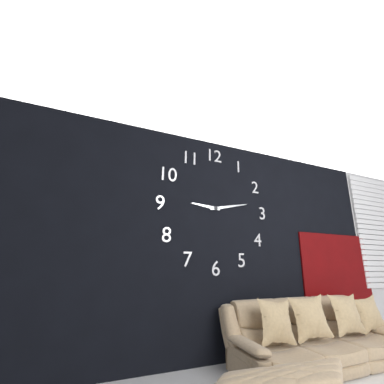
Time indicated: 9:13
